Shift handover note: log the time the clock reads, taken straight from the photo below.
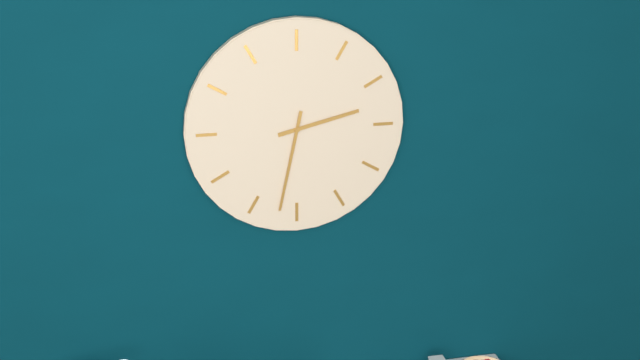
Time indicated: 2:32
